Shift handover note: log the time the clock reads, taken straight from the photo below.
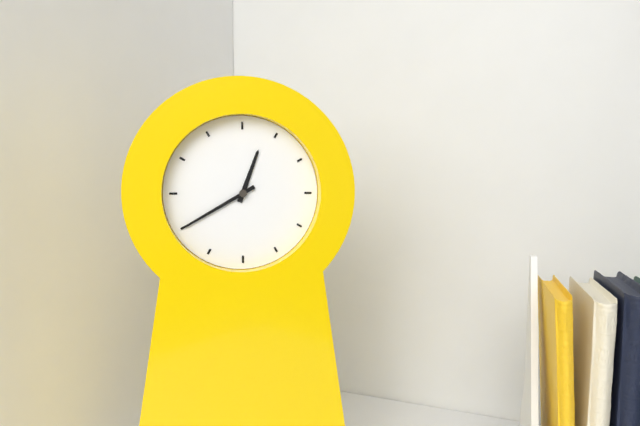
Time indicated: 12:40
